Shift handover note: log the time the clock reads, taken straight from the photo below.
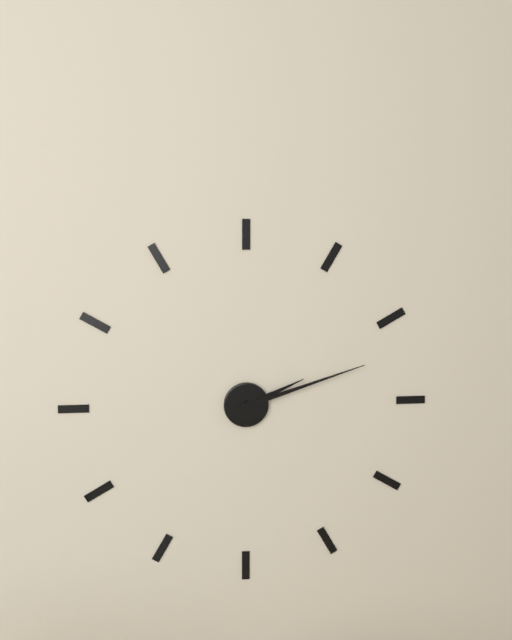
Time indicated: 2:12
